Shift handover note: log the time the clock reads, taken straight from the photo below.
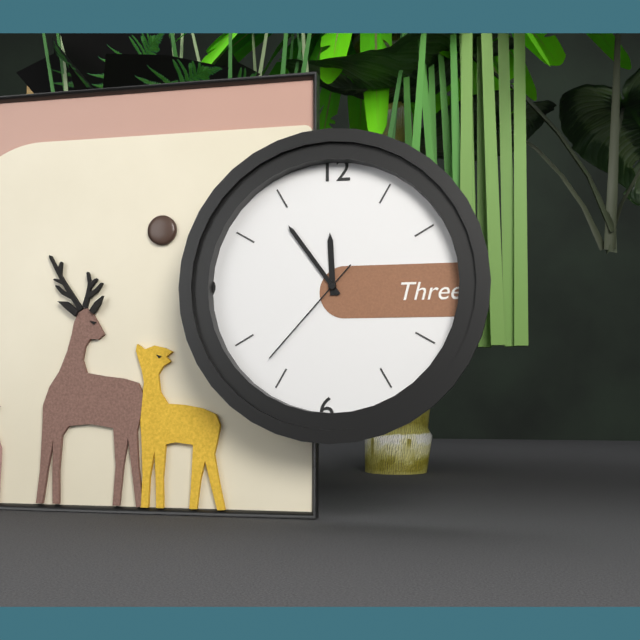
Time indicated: 11:54:37
